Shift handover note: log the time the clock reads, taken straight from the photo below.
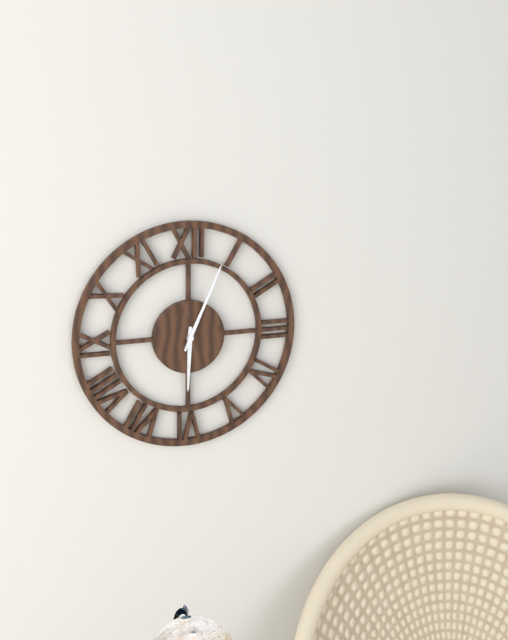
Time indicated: 6:04
